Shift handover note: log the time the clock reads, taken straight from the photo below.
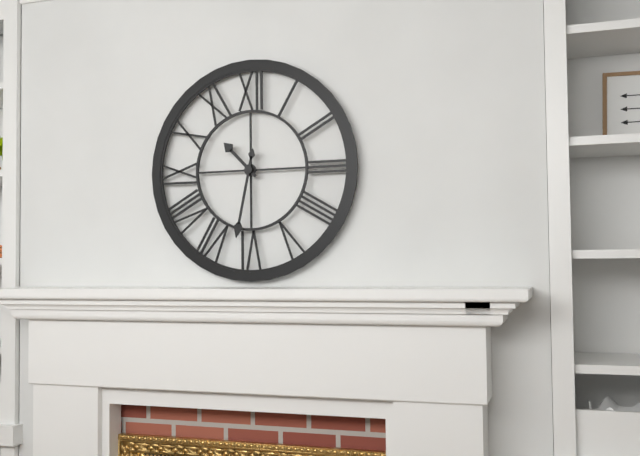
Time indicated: 10:32
